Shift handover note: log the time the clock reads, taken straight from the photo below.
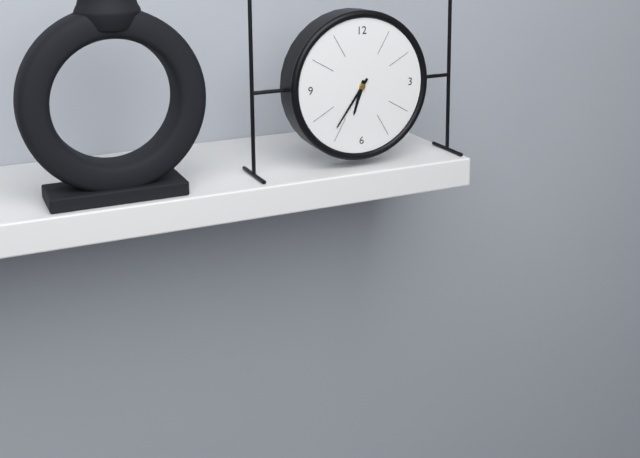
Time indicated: 6:36
